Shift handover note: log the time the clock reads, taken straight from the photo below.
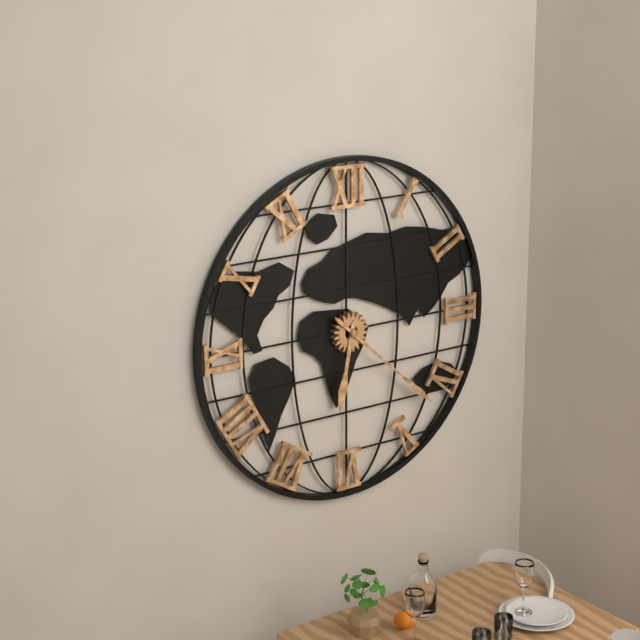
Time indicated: 6:22
